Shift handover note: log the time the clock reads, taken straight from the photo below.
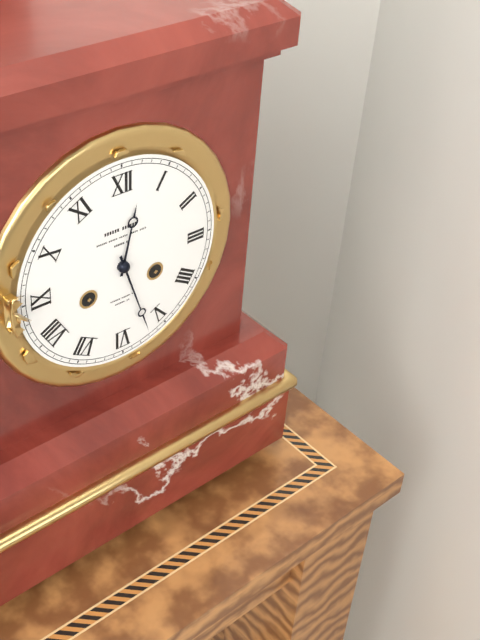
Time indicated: 12:27
